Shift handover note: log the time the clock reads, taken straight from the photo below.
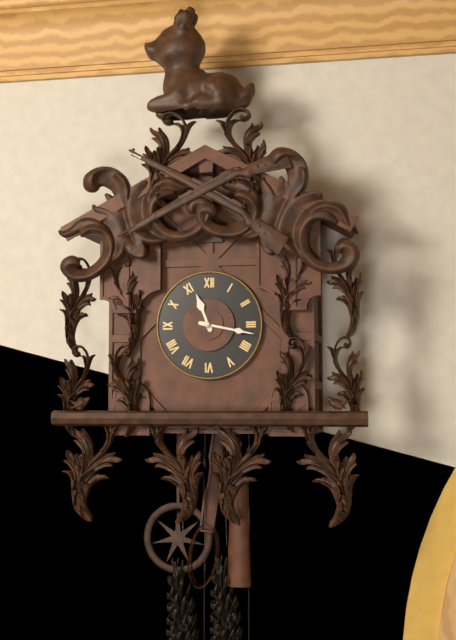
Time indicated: 11:17
